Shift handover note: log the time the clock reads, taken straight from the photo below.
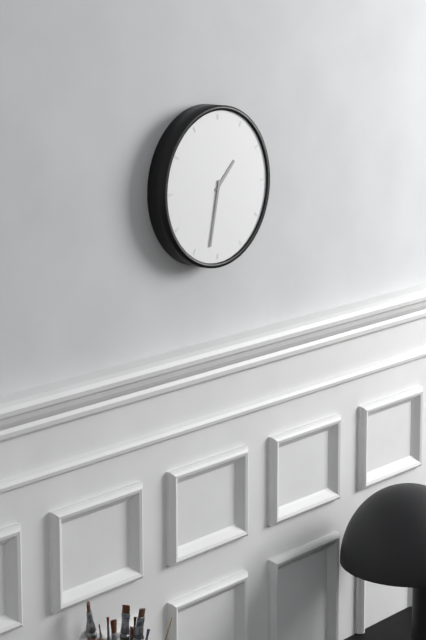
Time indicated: 1:32
